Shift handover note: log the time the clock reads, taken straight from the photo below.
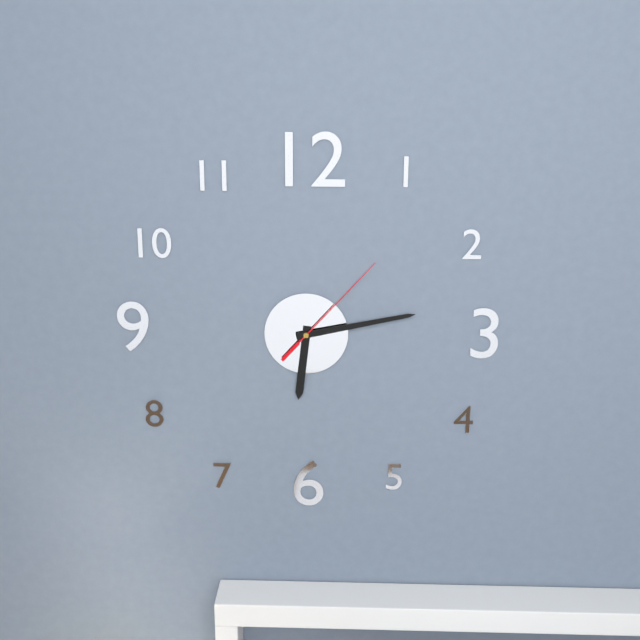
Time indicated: 6:13:07
